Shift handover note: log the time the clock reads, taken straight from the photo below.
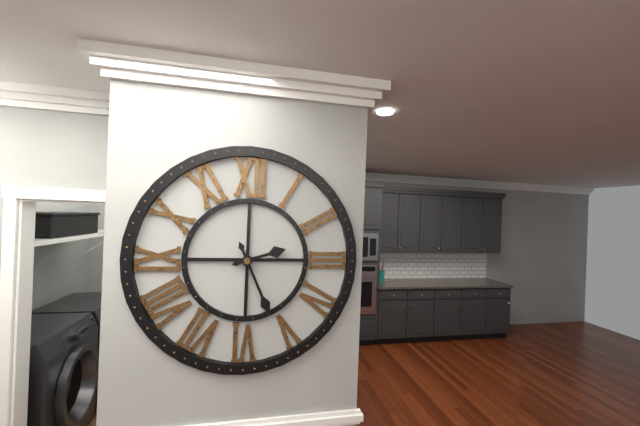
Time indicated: 2:26
